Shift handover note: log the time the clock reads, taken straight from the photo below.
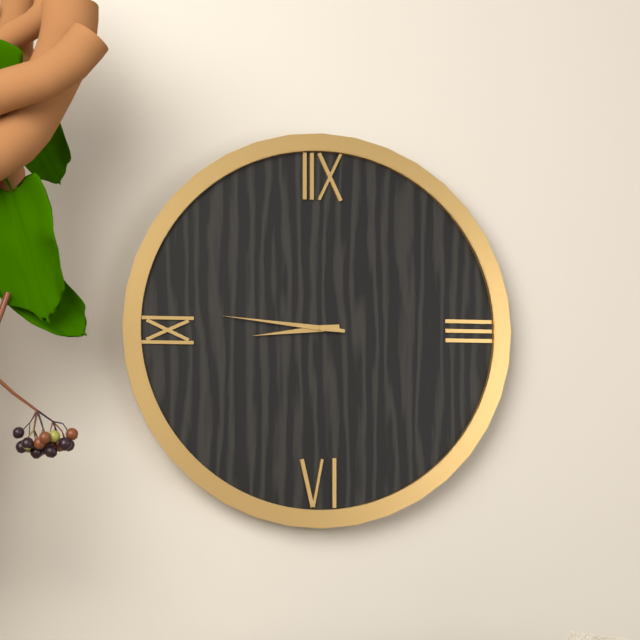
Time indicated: 8:46
